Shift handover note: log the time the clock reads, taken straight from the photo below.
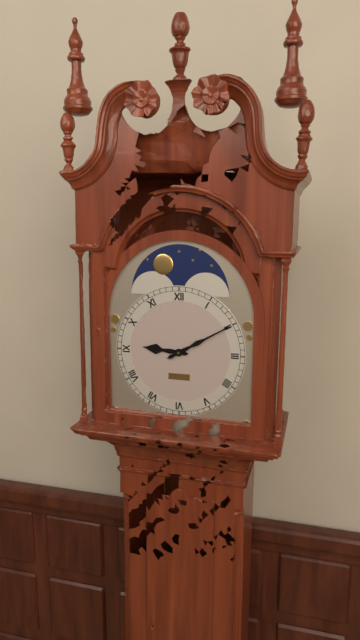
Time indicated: 9:10
